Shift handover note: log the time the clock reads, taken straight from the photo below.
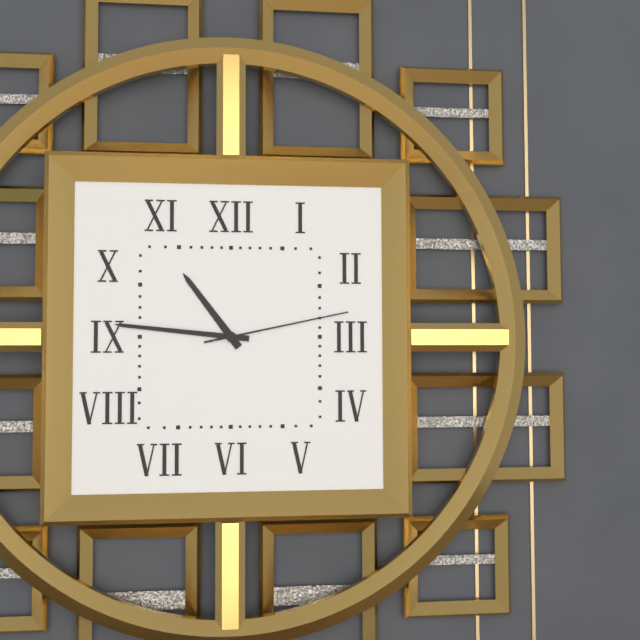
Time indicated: 10:46:13
